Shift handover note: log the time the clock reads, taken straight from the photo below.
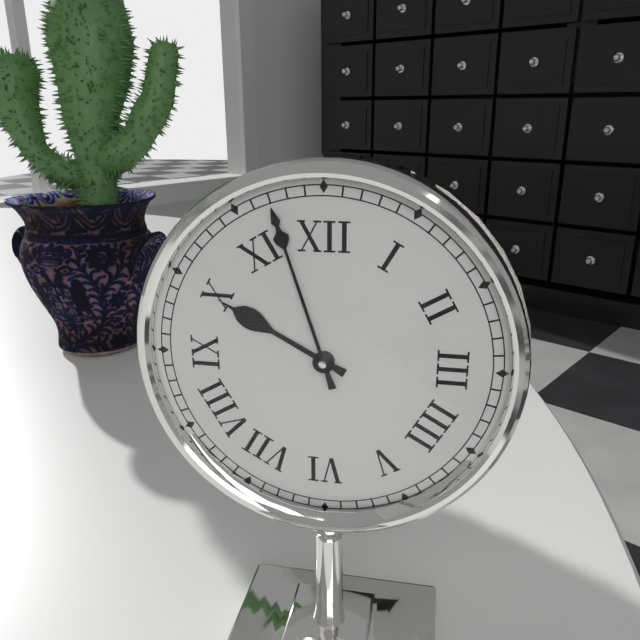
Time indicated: 9:57
